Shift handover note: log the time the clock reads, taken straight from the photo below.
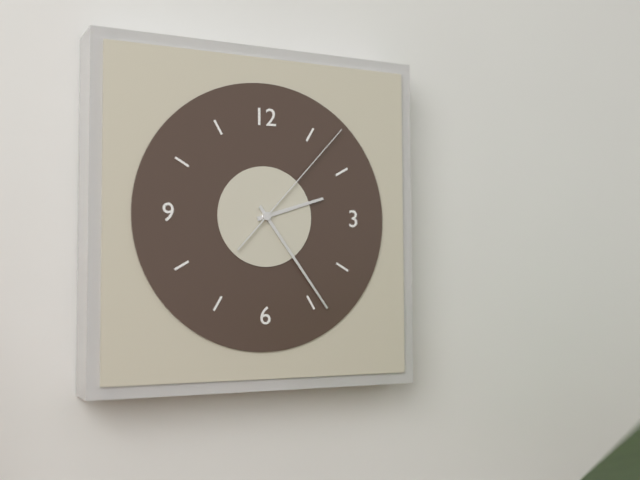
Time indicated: 2:24:07
